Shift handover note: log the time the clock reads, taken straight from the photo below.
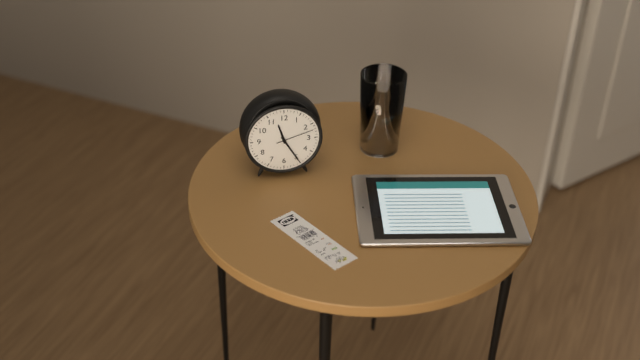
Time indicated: 11:25
